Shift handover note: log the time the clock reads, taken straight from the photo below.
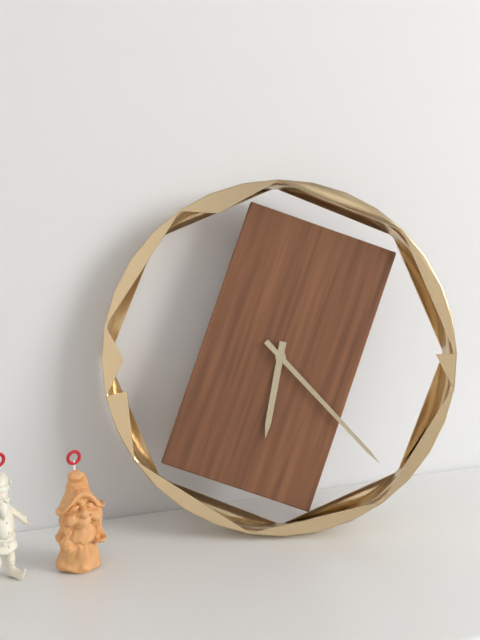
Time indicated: 6:23
